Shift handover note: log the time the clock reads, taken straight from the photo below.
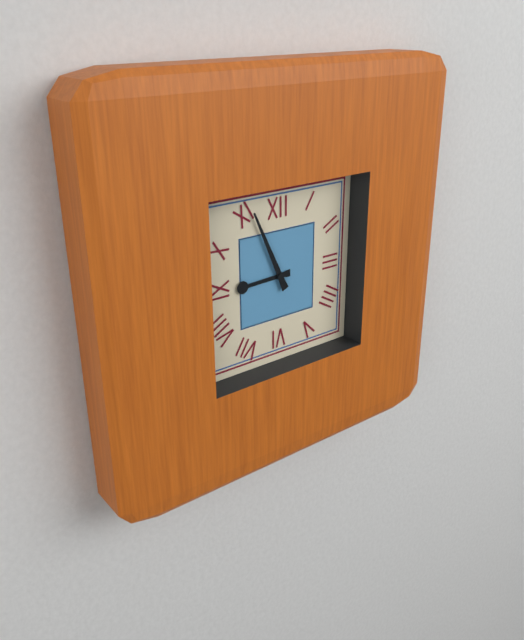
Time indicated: 8:56
